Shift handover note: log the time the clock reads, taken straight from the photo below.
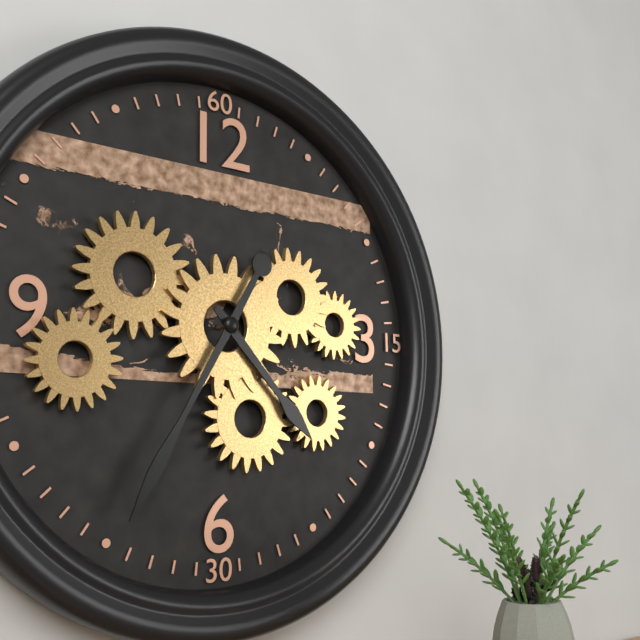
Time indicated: 4:35
